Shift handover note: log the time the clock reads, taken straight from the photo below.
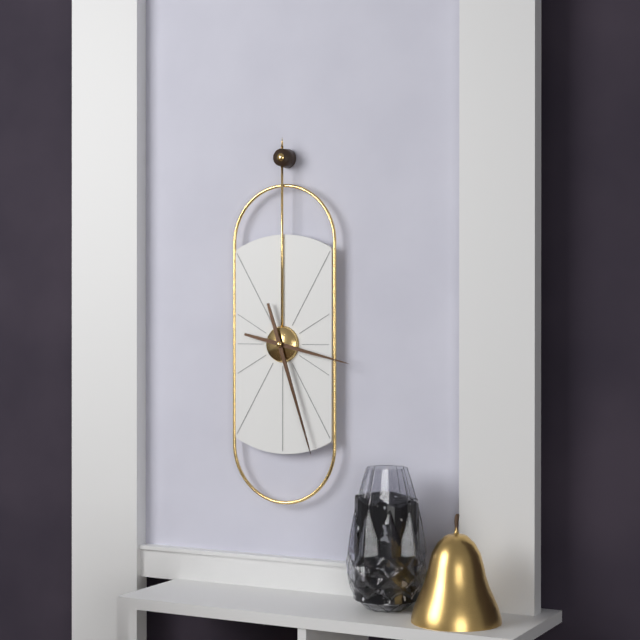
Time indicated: 3:27
